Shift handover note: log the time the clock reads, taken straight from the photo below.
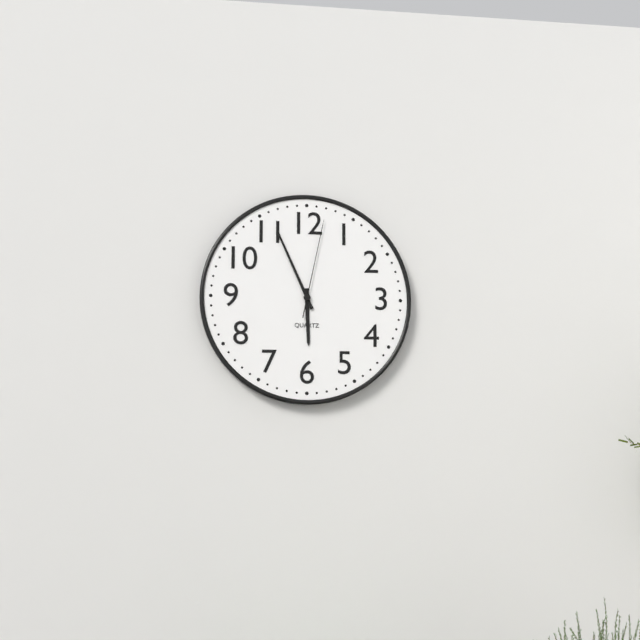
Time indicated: 5:56:02
